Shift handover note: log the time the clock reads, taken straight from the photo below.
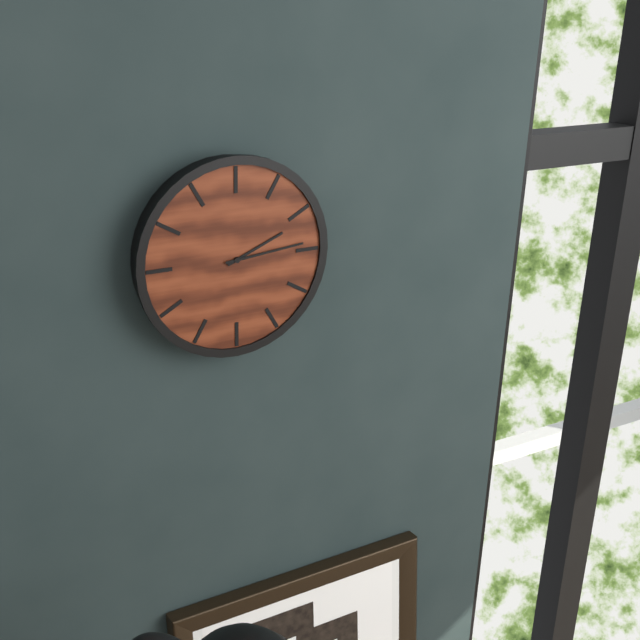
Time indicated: 2:14
